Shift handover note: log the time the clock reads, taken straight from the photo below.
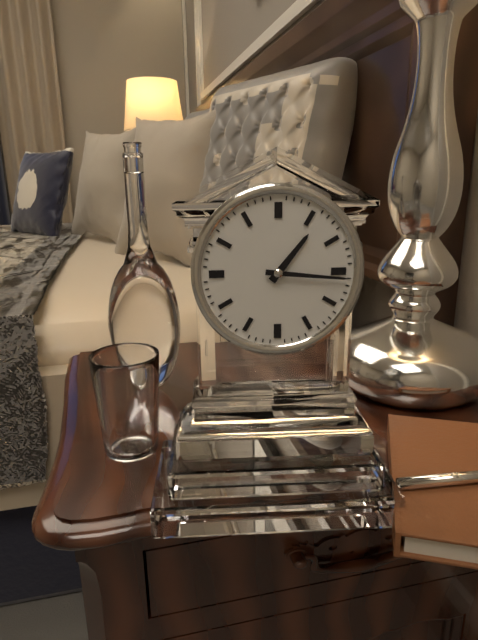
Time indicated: 1:16
